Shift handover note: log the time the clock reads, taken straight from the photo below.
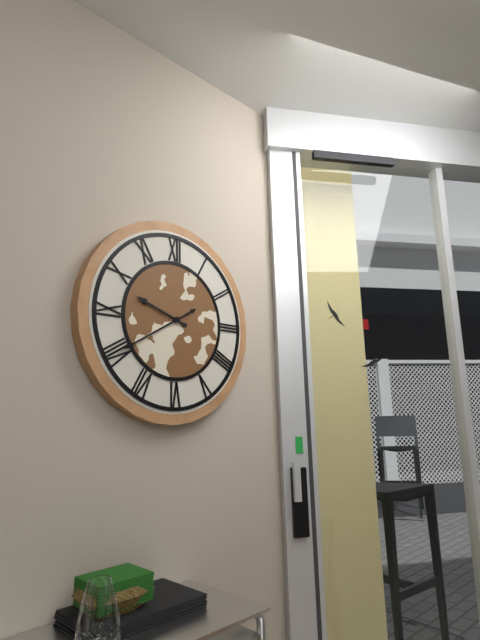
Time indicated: 9:40
